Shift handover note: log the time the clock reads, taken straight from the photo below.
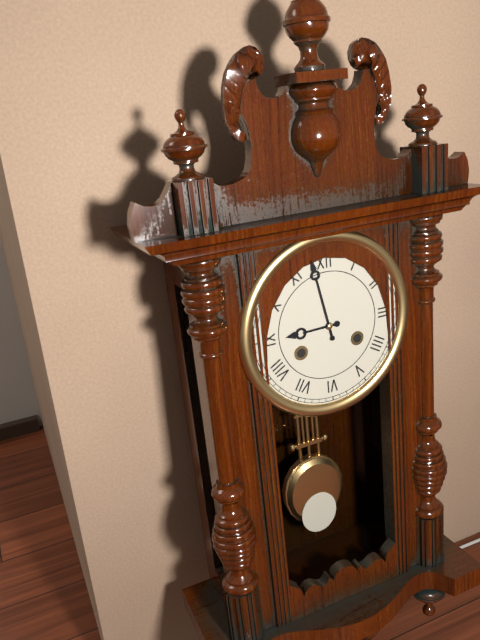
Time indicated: 8:58
